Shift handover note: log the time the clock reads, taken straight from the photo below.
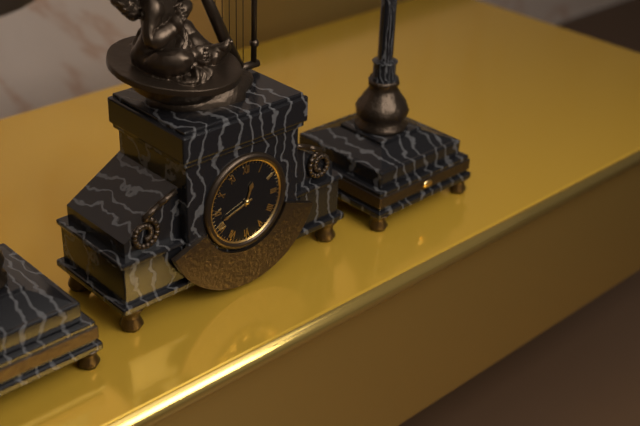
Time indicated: 12:42
